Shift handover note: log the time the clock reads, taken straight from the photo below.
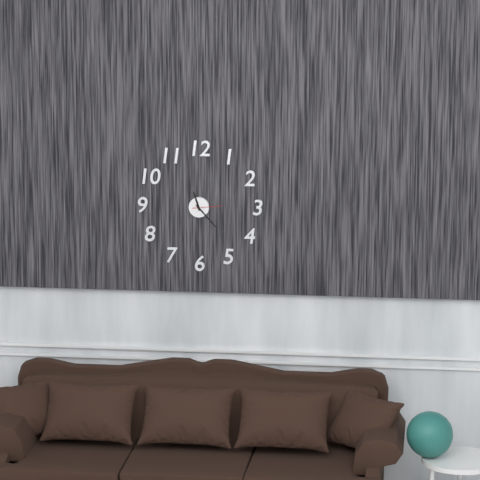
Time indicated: 11:23
